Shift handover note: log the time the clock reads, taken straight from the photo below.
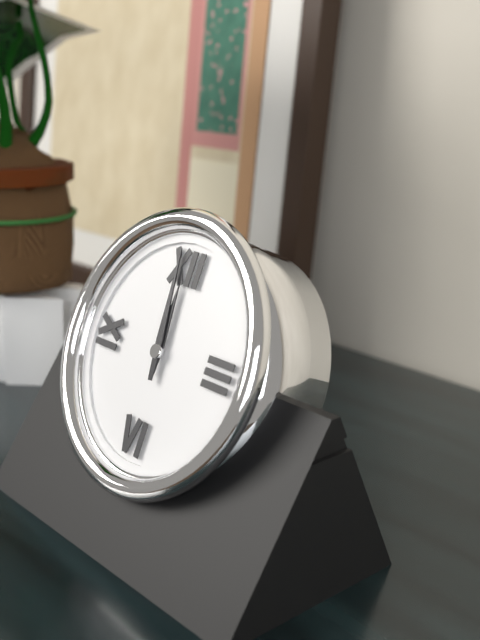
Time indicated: 11:59
